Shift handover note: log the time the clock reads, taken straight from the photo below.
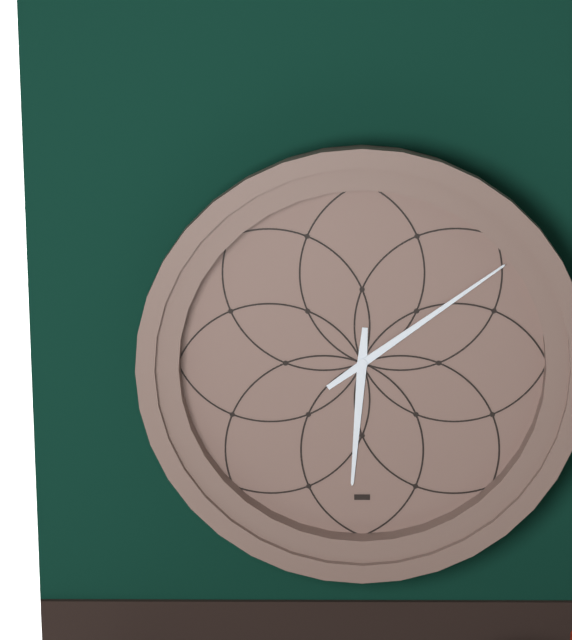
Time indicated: 6:09
